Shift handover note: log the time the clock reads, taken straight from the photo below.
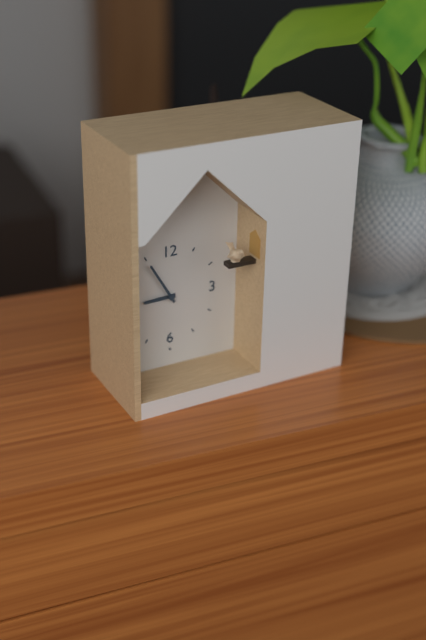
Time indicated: 8:55
